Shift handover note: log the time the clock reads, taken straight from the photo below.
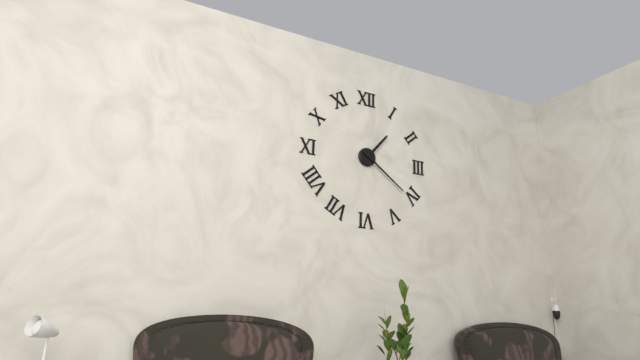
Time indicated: 1:21
